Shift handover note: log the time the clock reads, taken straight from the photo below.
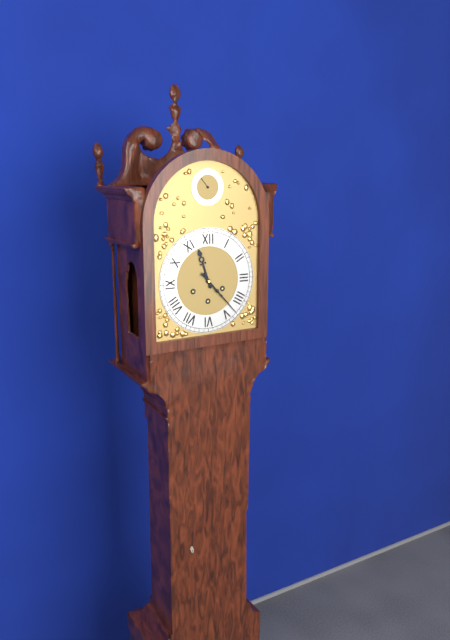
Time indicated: 11:23
